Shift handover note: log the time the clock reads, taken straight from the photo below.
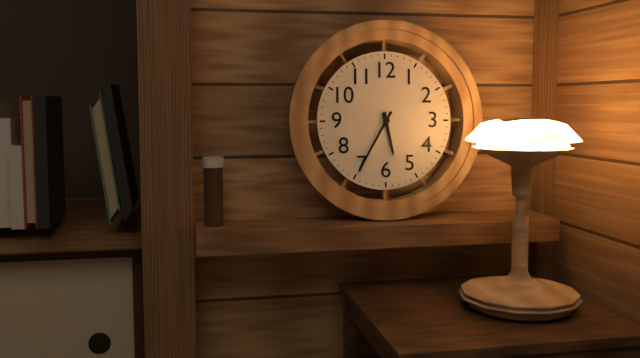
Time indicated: 5:35
